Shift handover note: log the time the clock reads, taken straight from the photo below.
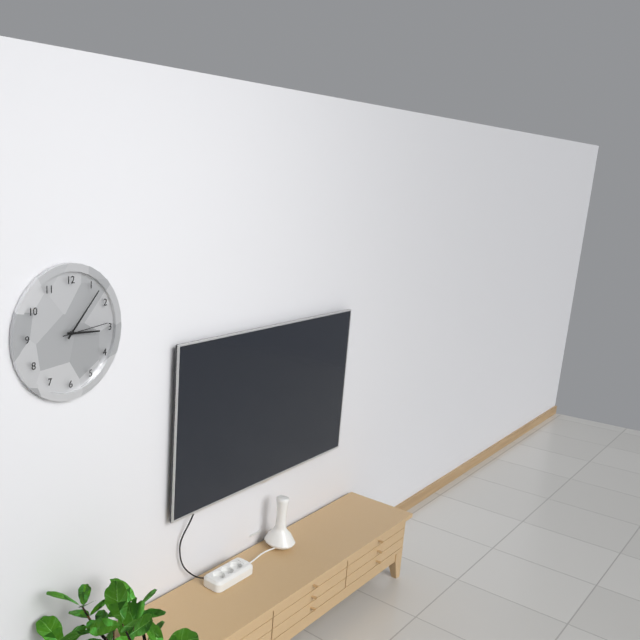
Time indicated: 3:07
